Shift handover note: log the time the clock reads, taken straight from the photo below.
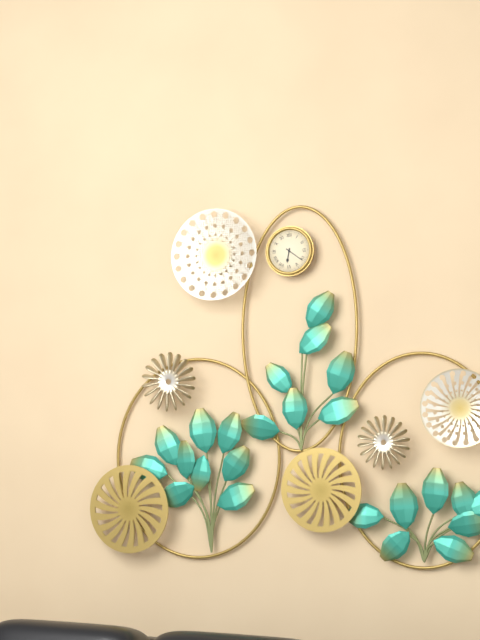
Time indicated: 6:21
